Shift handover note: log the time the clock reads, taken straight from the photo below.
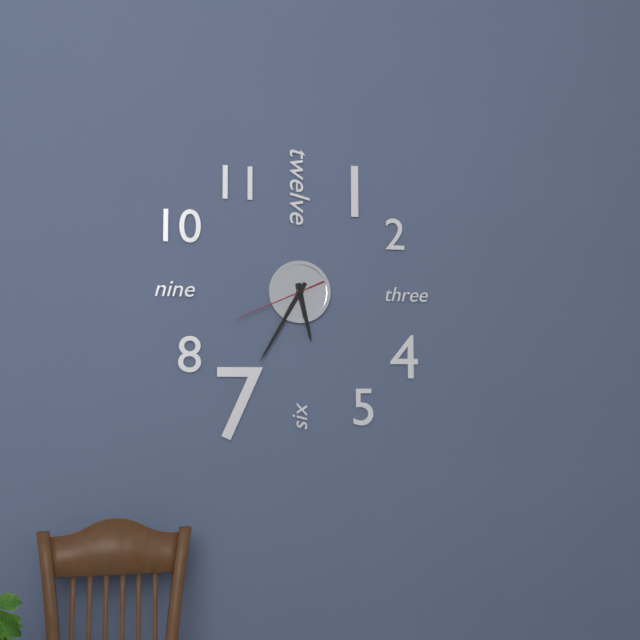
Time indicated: 5:35:41
